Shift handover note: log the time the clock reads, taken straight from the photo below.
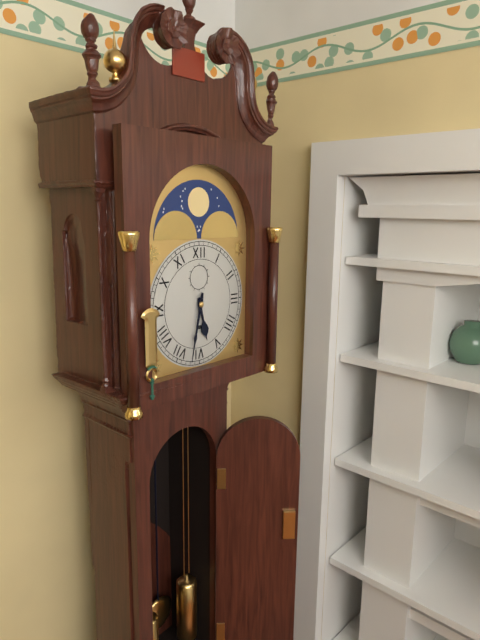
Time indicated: 5:32
